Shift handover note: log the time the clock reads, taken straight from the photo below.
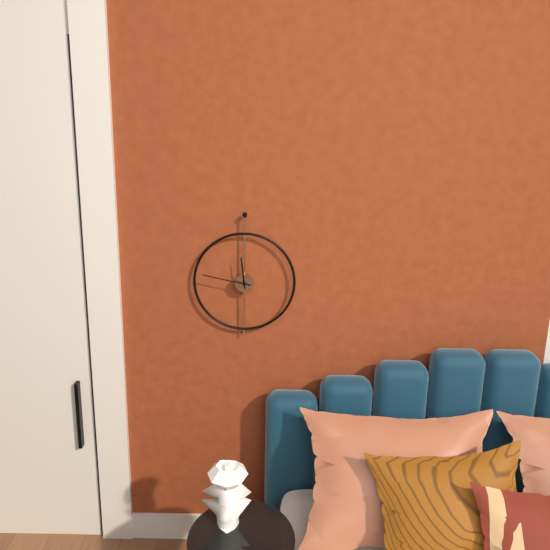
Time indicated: 11:47
